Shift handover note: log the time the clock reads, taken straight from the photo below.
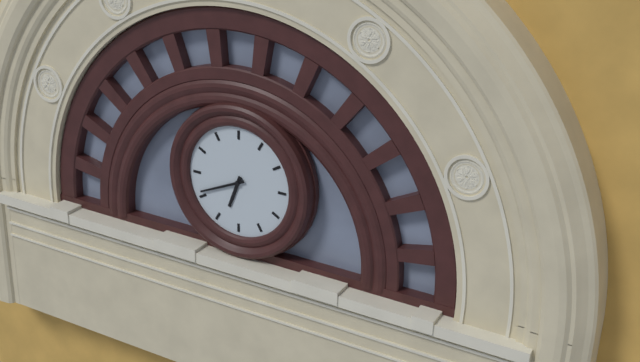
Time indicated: 6:41
